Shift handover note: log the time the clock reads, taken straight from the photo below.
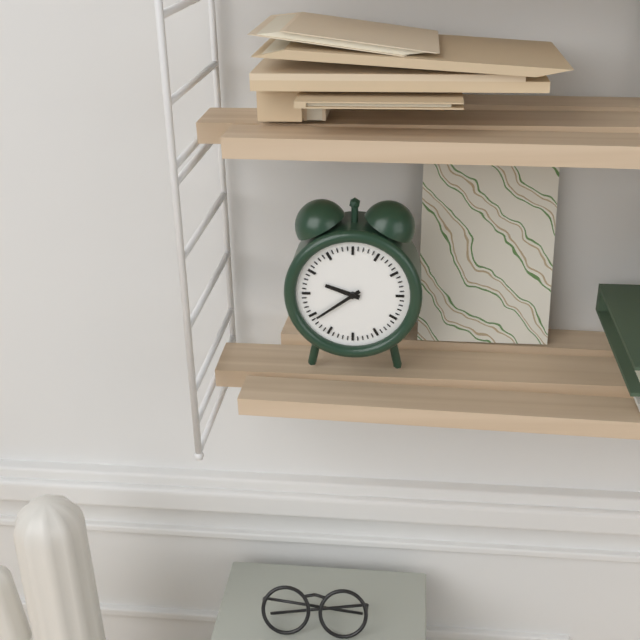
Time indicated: 9:39
